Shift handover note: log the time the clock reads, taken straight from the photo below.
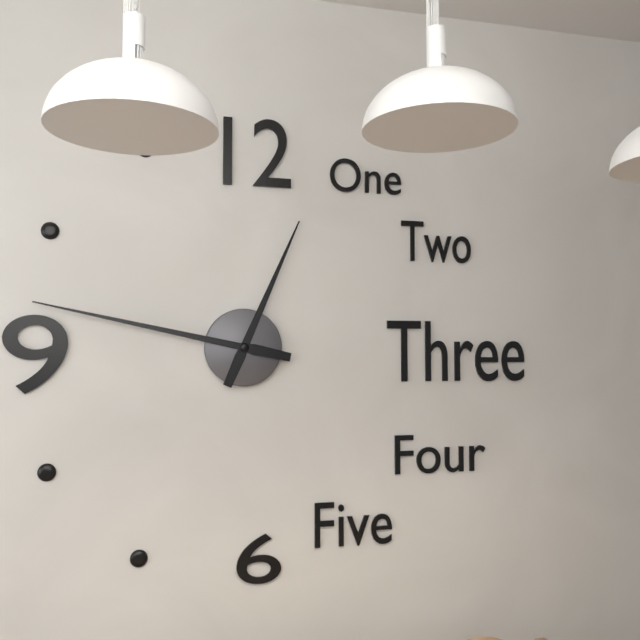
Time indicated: 12:47
